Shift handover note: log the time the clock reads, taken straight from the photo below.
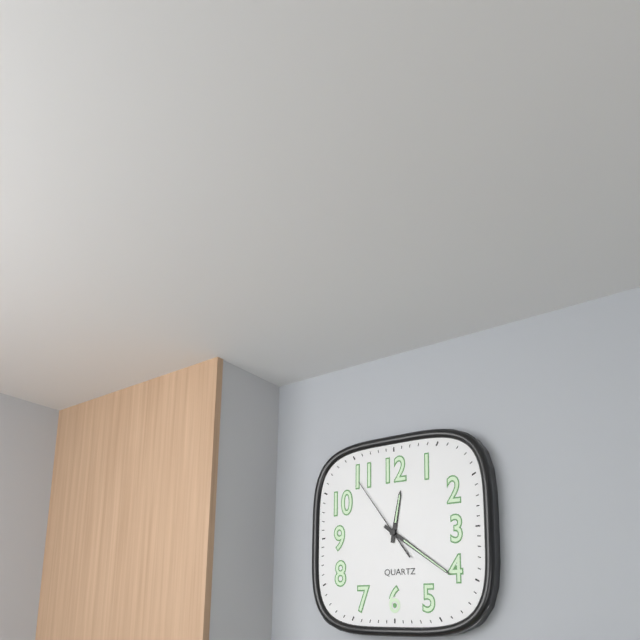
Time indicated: 12:21:54
